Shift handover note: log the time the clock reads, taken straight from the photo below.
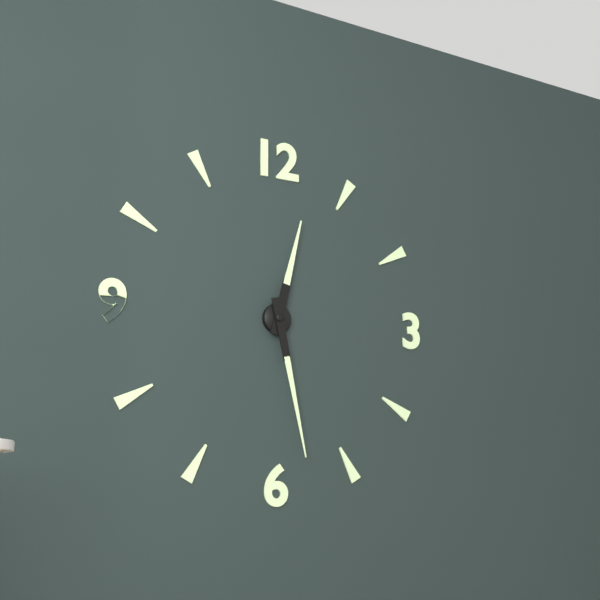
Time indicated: 12:28
